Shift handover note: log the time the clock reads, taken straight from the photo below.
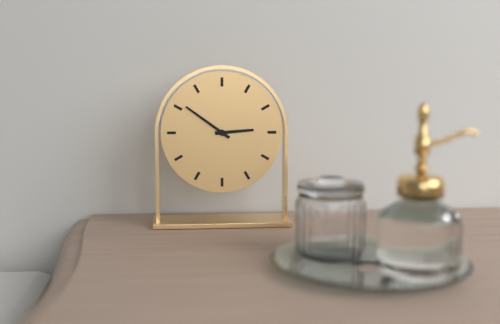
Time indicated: 2:51
